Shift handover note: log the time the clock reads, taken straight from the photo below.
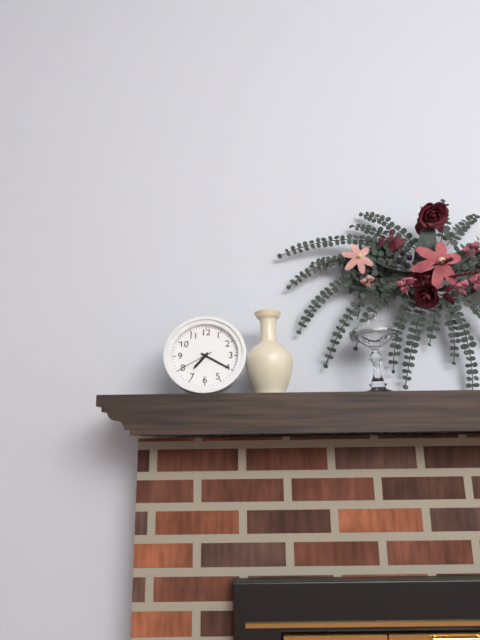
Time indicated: 7:20
